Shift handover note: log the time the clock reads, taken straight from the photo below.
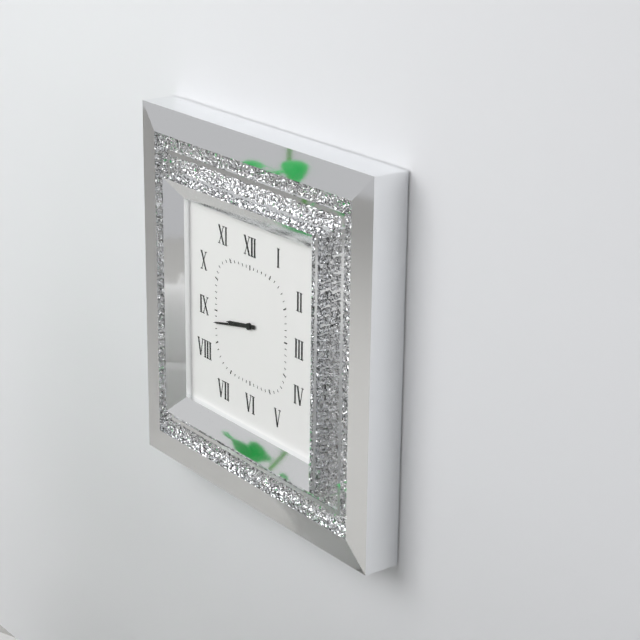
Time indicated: 8:43
